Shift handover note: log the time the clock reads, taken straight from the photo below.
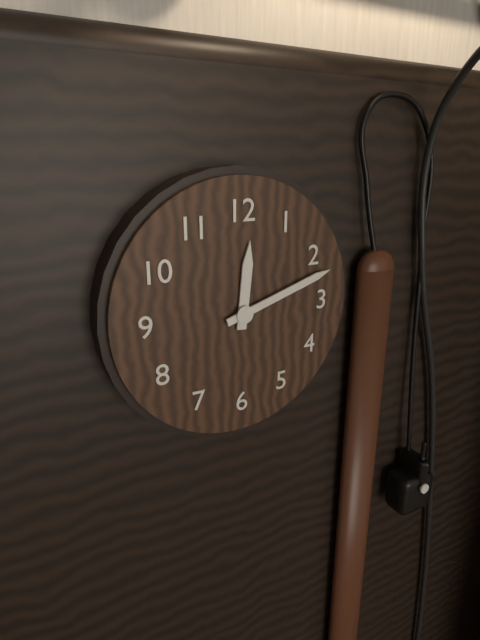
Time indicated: 12:12
